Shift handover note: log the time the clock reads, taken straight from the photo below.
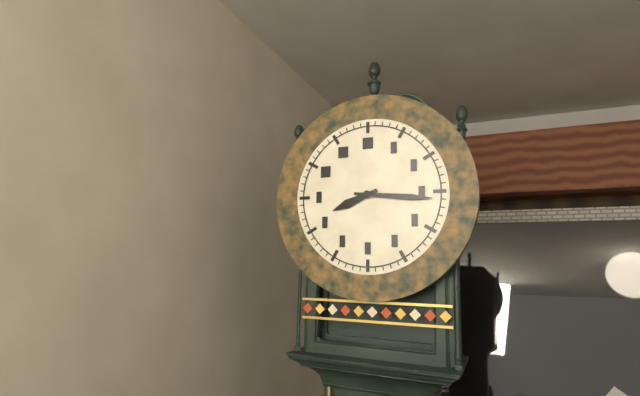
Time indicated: 8:16
